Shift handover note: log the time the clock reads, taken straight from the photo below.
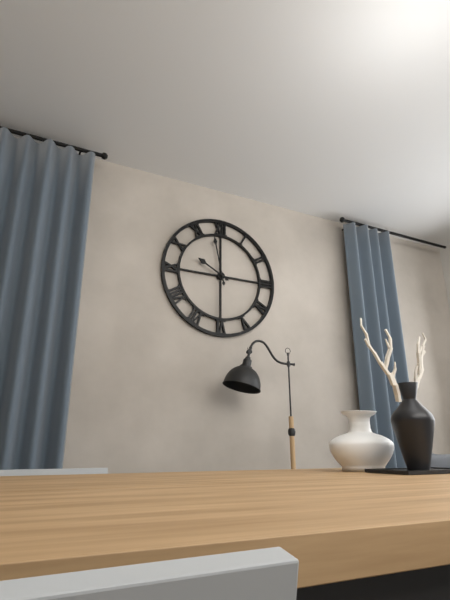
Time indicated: 9:58
